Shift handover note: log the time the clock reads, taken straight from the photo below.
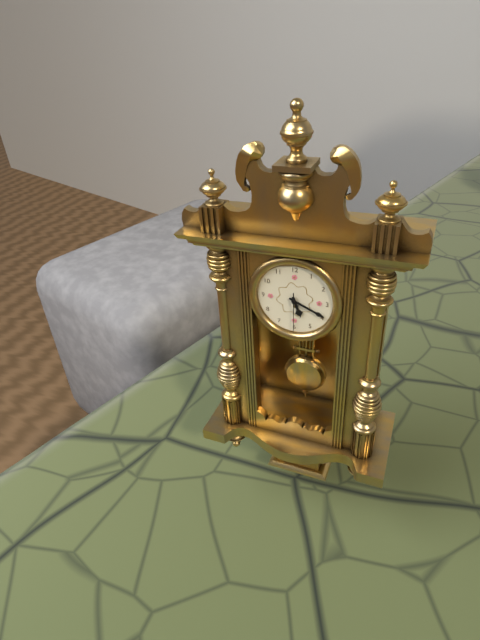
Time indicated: 5:19
